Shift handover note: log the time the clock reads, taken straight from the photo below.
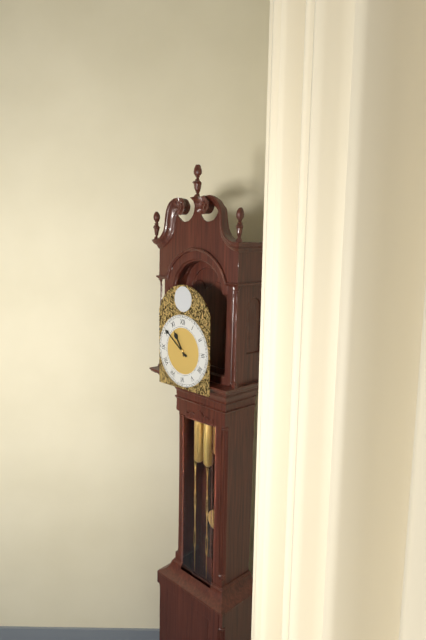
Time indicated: 10:51
